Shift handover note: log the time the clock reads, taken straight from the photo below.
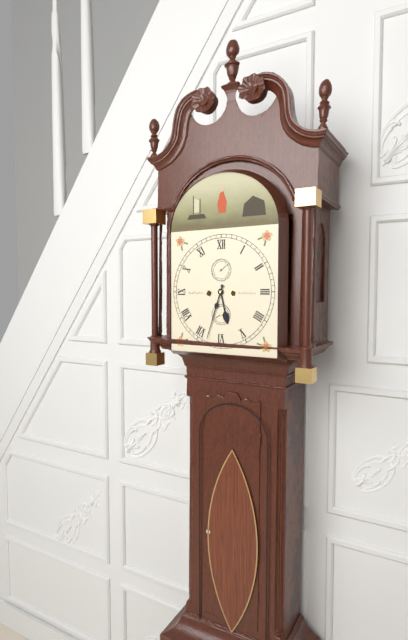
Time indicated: 5:33
